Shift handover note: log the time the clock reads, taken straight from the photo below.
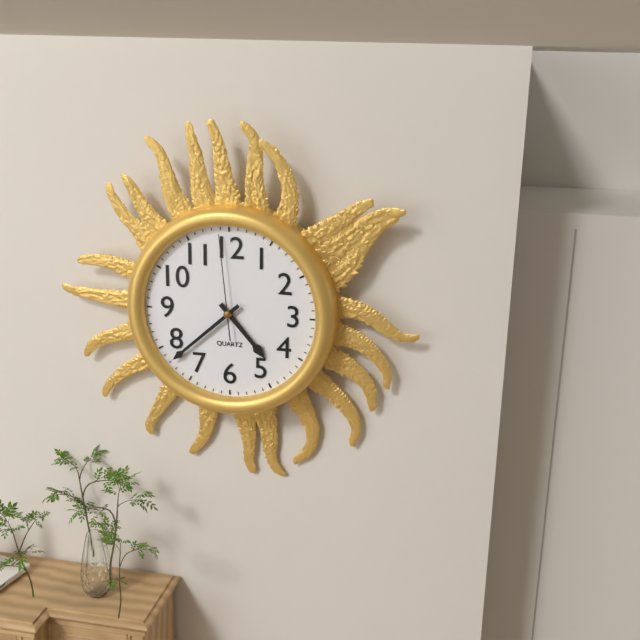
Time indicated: 4:38:59
